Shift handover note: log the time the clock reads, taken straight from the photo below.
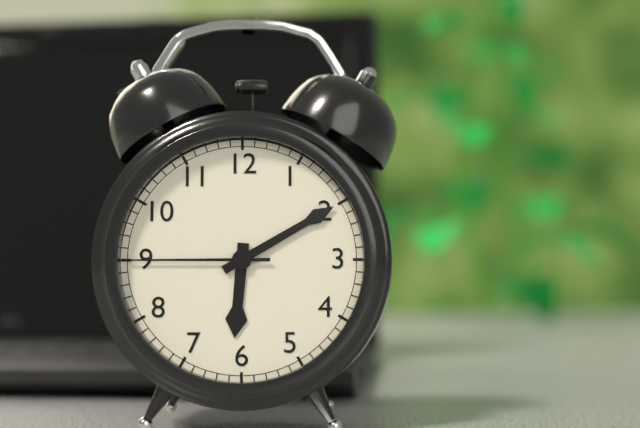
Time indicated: 6:10:45
